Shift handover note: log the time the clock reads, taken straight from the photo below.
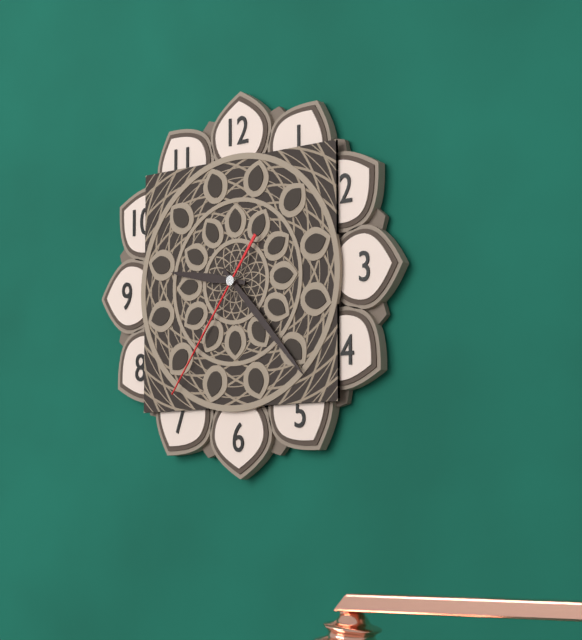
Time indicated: 9:23:36
